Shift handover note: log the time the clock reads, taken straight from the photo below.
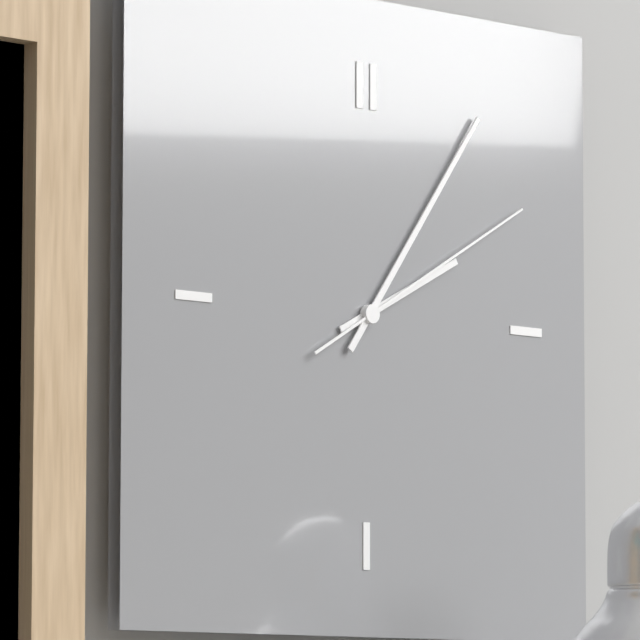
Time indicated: 2:06:10
